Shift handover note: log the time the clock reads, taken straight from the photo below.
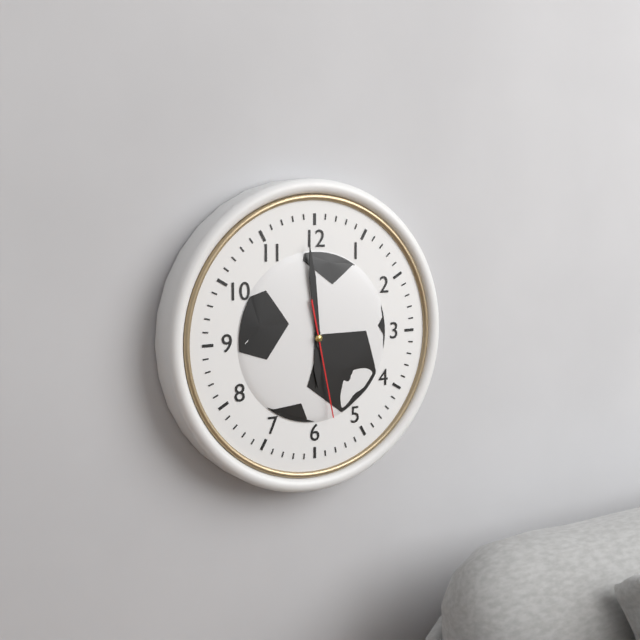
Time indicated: 5:59:28
